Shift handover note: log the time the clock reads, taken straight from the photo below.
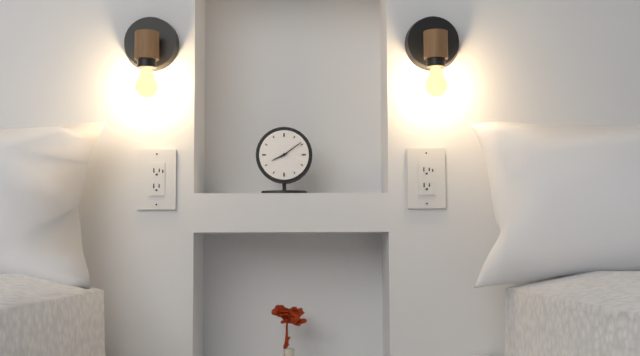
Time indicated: 8:09
